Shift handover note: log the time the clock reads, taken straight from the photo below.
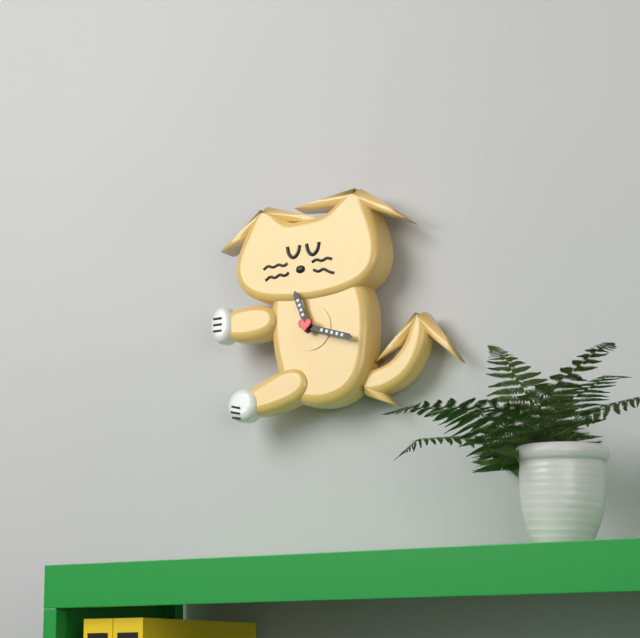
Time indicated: 11:18
